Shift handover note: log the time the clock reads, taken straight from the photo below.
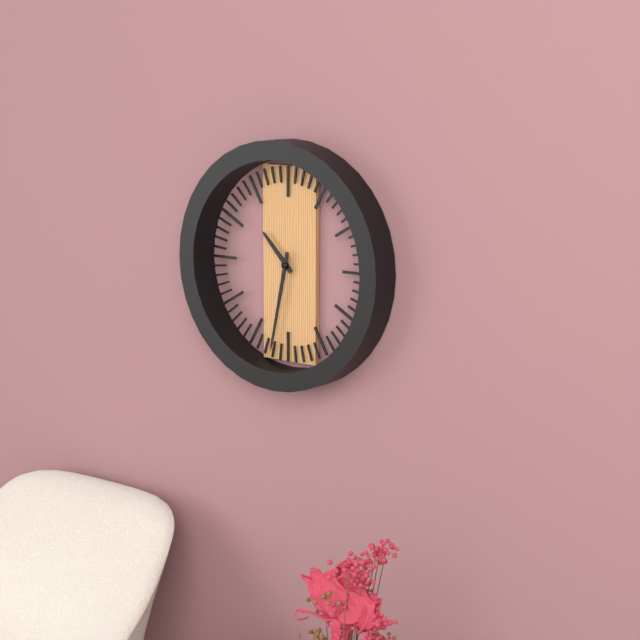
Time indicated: 10:32
